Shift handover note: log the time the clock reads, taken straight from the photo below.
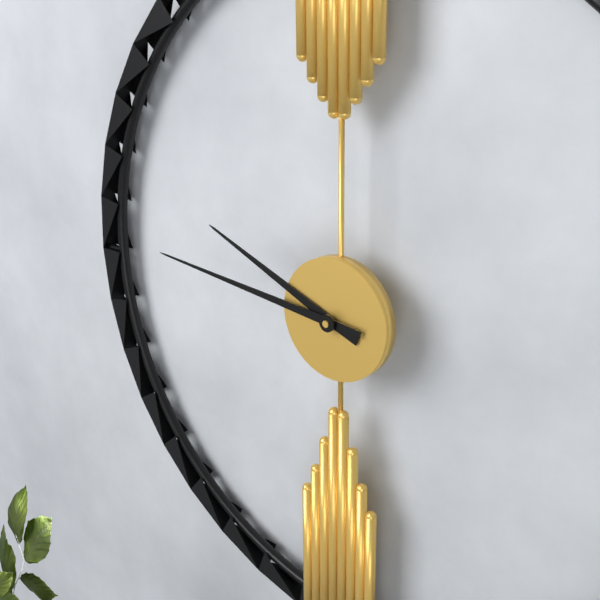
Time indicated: 9:46
